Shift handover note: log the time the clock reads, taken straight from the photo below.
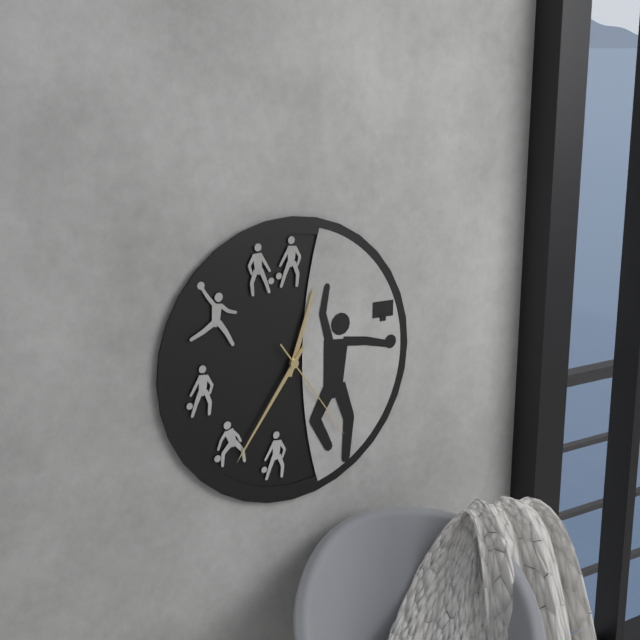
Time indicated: 12:36:24
